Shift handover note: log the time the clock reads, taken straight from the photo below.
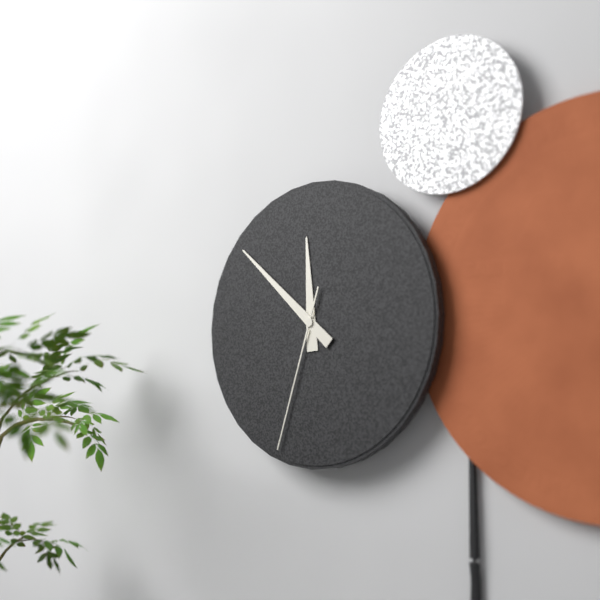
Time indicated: 11:52:33
